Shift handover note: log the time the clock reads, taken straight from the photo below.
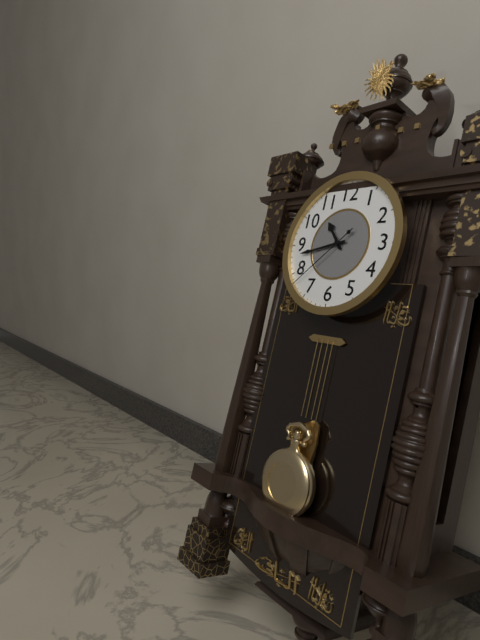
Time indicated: 10:43:38
